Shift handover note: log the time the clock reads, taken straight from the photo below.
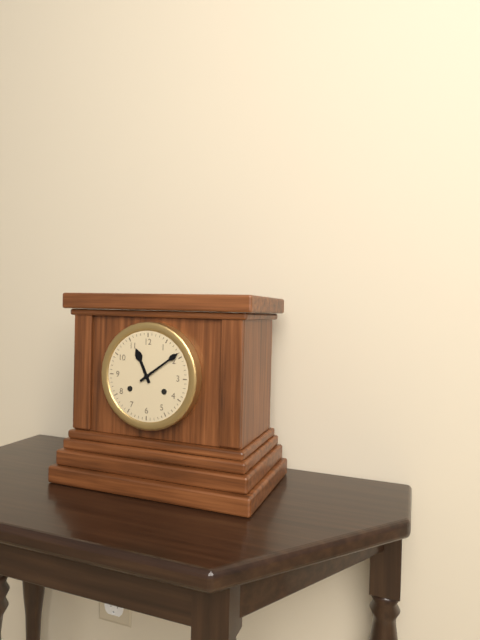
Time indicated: 11:09
